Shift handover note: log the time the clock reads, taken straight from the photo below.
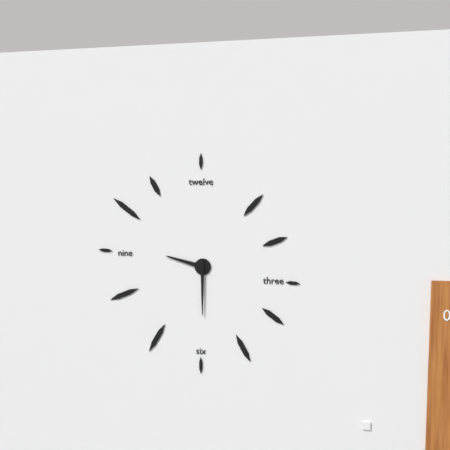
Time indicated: 9:30
